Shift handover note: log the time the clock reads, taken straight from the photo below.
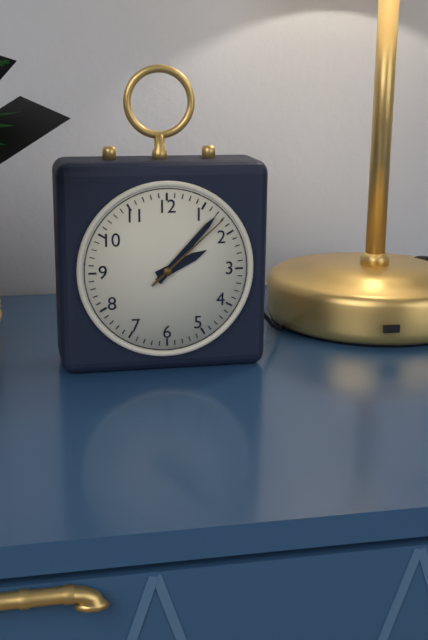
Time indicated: 2:07:08
